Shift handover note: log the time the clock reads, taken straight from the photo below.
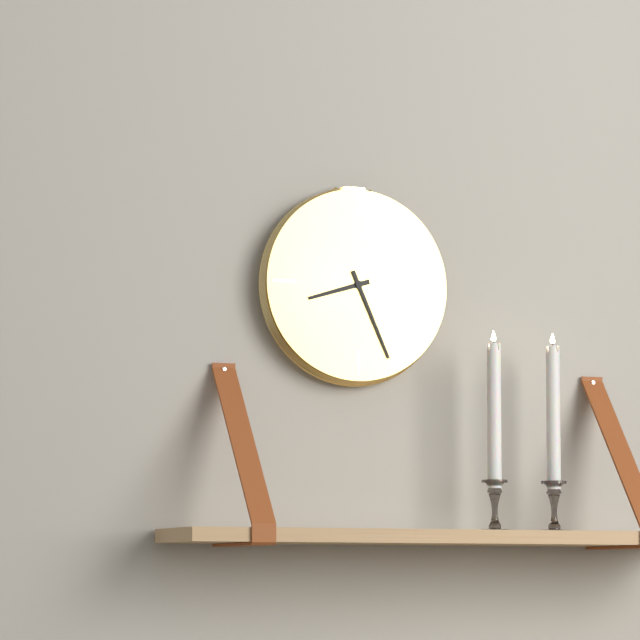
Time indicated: 8:26
